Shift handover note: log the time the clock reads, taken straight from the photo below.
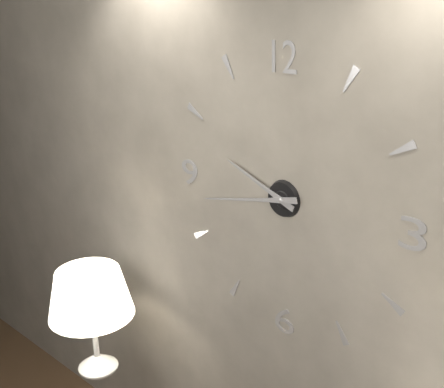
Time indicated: 9:43
